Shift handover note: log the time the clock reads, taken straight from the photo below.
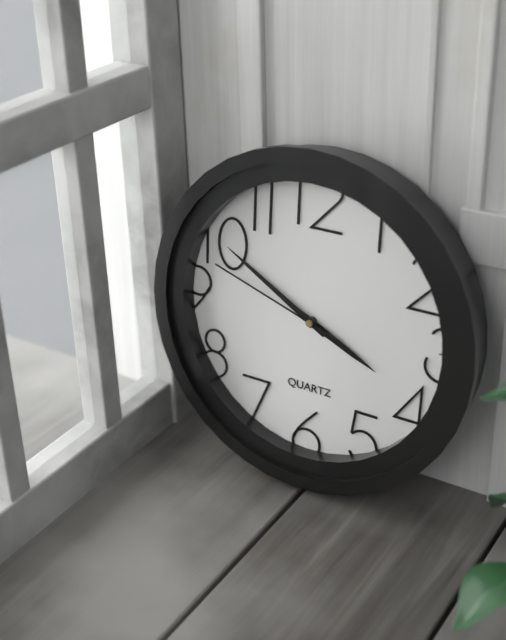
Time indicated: 3:50:48
